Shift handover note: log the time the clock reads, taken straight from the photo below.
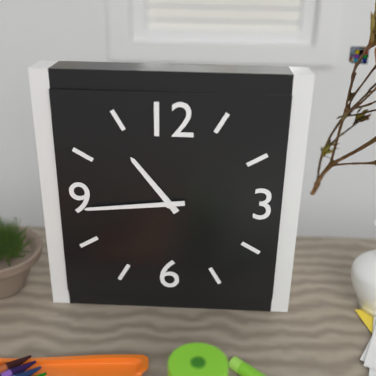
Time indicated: 10:44
